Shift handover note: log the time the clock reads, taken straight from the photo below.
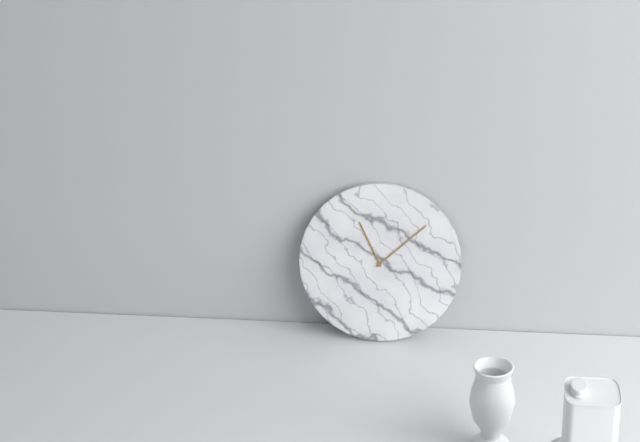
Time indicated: 11:08
